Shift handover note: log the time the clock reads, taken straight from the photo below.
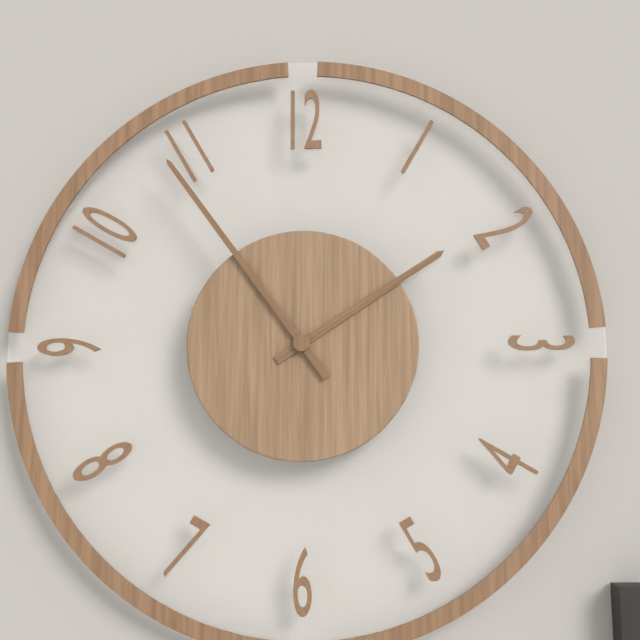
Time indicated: 1:54
